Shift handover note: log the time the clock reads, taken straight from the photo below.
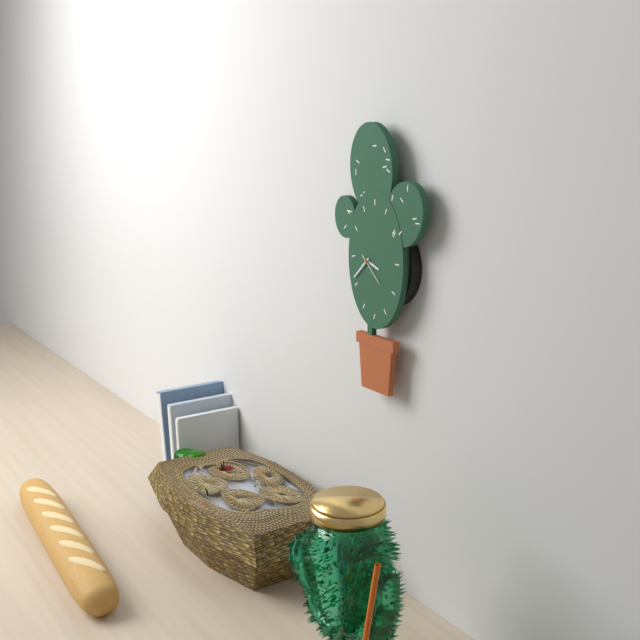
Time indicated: 3:38
